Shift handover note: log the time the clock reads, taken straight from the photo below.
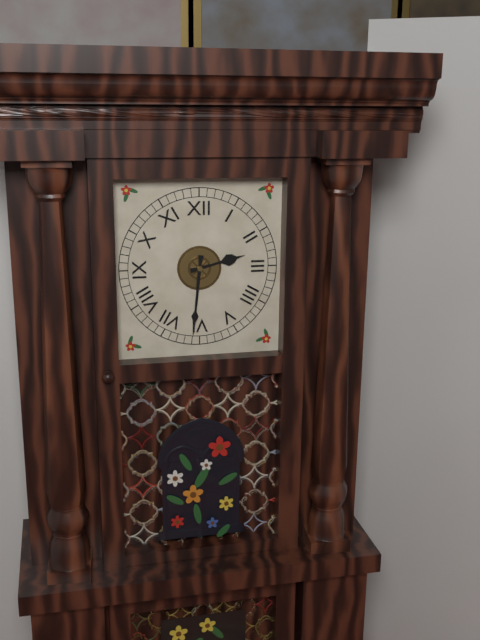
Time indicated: 2:31
